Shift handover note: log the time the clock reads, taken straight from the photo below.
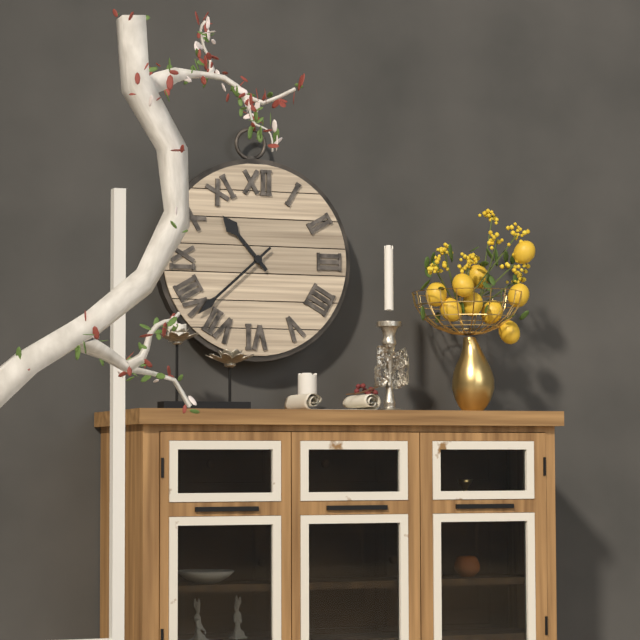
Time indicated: 10:38
